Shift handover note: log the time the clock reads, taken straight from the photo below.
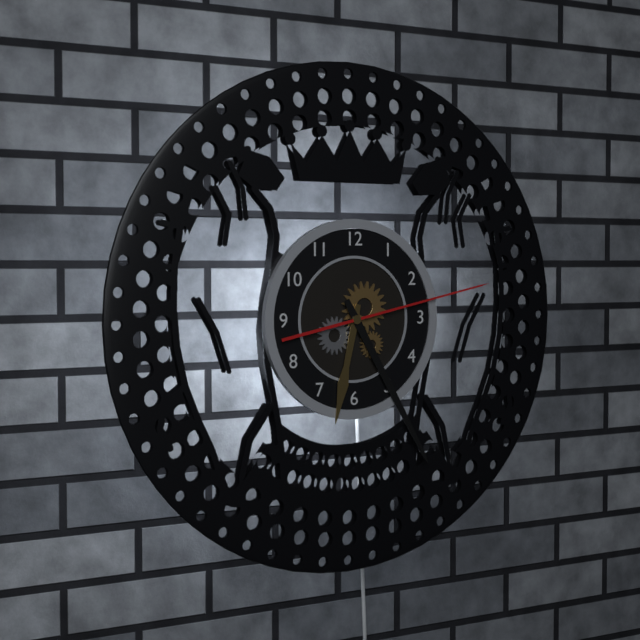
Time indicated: 6:25:13
